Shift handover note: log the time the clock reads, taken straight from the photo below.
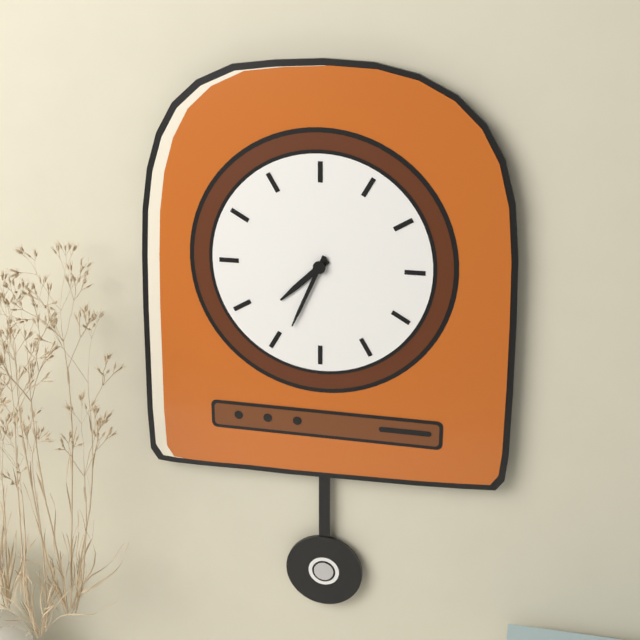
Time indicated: 7:34
